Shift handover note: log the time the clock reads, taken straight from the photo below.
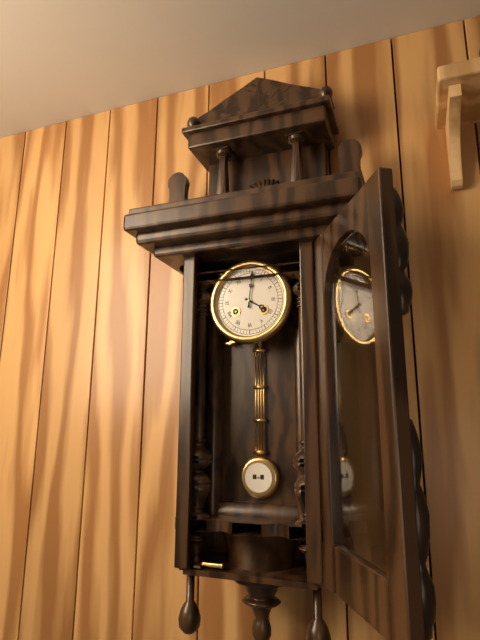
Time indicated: 4:01
